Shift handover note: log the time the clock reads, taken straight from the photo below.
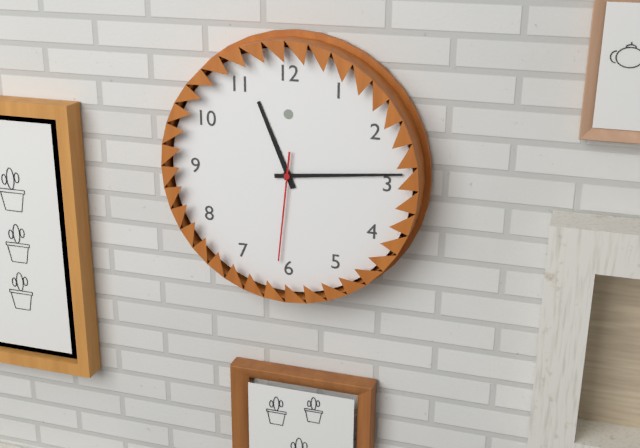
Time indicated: 11:14:31
